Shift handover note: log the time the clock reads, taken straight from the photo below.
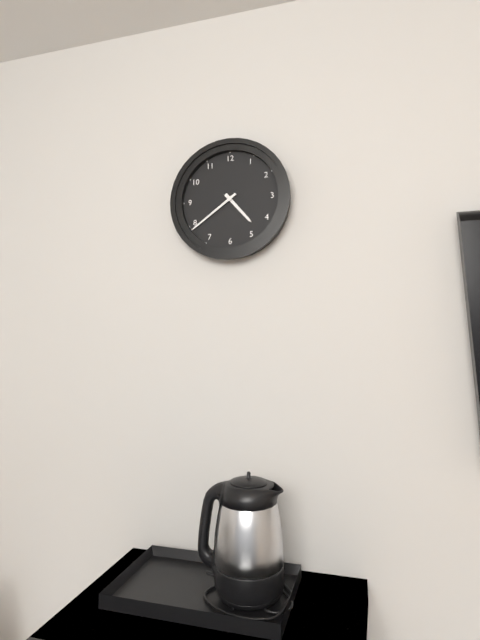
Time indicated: 4:39
